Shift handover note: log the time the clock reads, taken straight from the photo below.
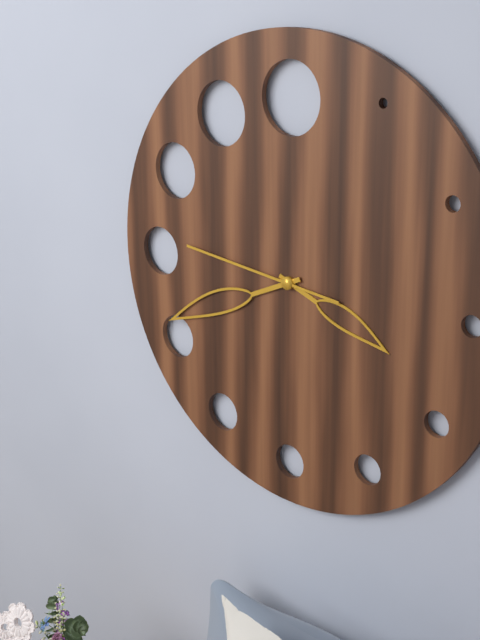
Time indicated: 3:41:46
